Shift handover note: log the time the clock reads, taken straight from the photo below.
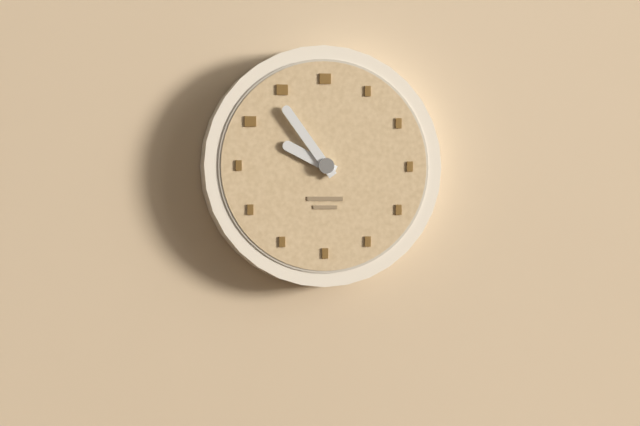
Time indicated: 9:54
